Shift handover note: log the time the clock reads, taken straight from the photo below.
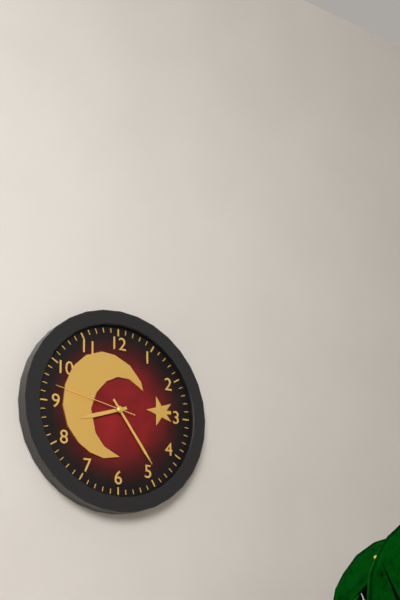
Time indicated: 8:24:47
